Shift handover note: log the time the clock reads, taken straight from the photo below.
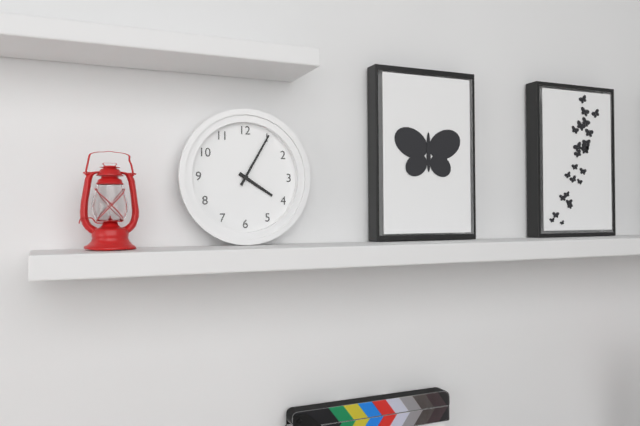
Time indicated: 4:05
